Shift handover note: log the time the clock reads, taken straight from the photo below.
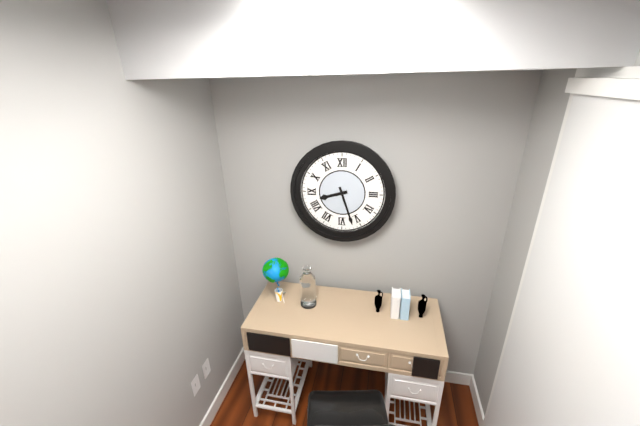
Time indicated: 8:27
